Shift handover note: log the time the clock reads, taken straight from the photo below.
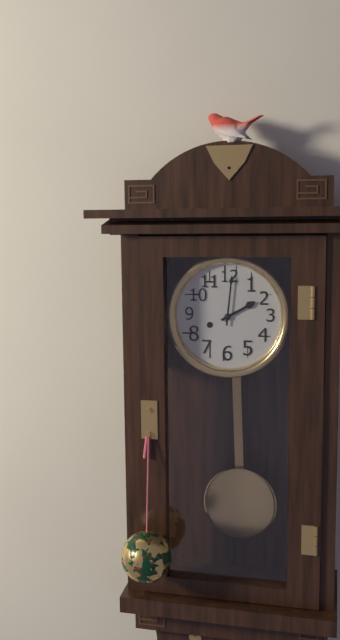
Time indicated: 2:01
